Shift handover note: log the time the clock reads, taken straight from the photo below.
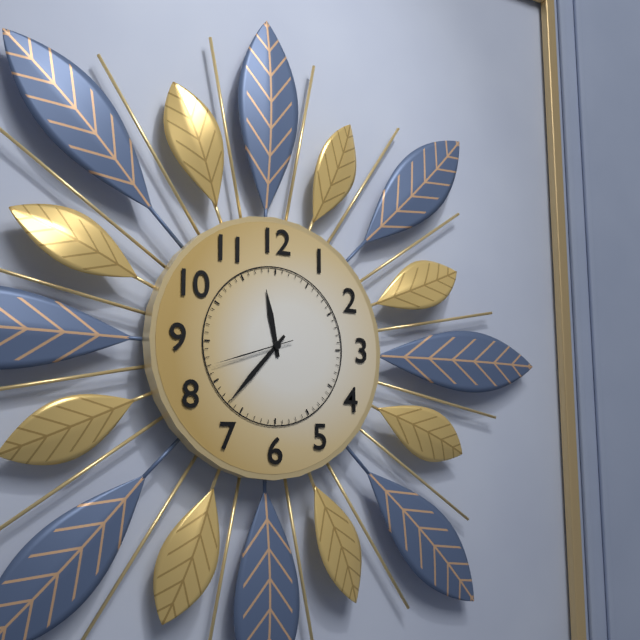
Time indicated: 11:37:42
